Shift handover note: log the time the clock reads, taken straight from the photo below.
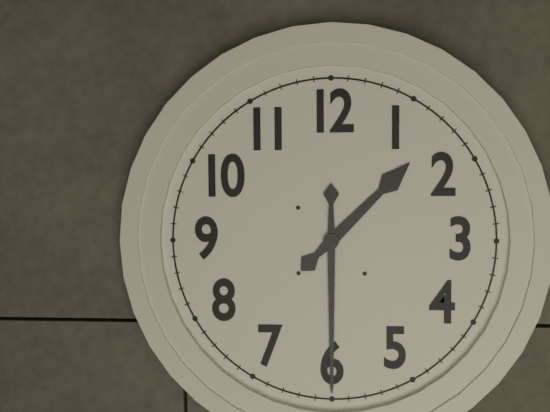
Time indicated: 1:30
